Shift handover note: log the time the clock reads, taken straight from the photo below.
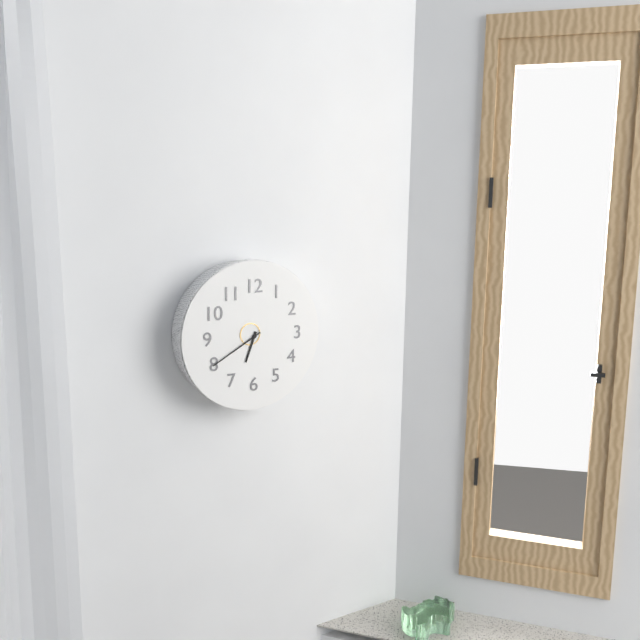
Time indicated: 6:40
